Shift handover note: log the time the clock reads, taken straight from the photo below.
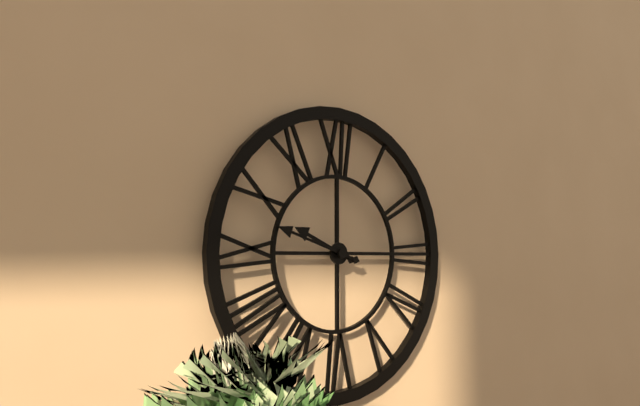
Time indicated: 9:48
